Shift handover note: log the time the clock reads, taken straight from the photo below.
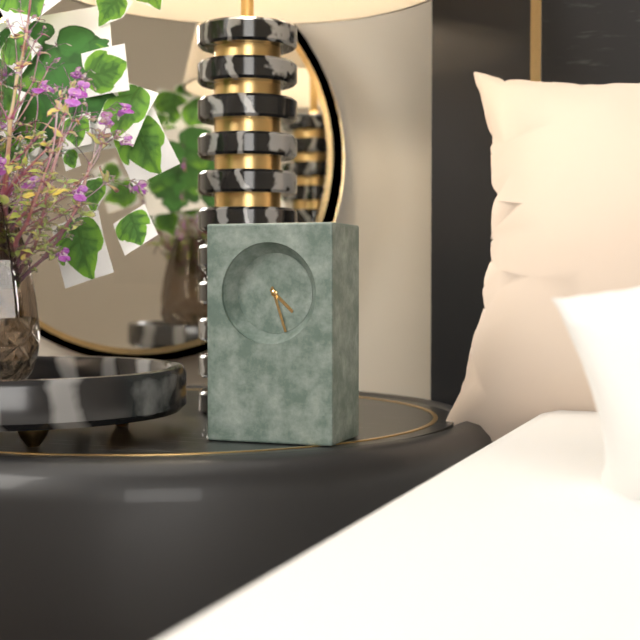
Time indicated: 4:27
